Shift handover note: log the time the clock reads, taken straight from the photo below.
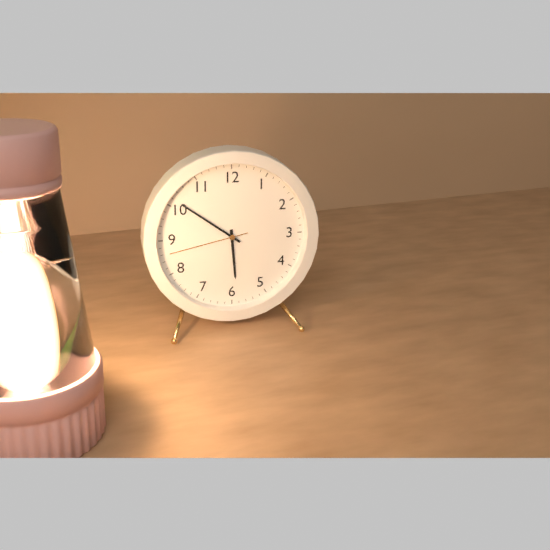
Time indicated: 5:51:43
